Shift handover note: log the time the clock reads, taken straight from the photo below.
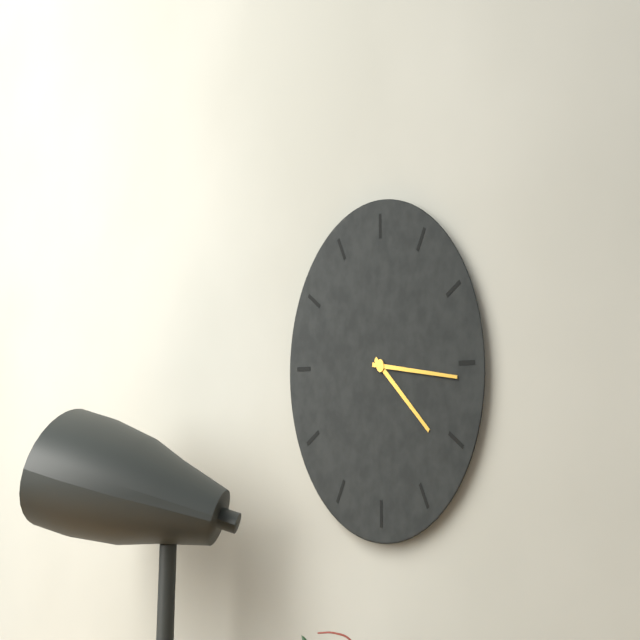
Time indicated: 4:16
